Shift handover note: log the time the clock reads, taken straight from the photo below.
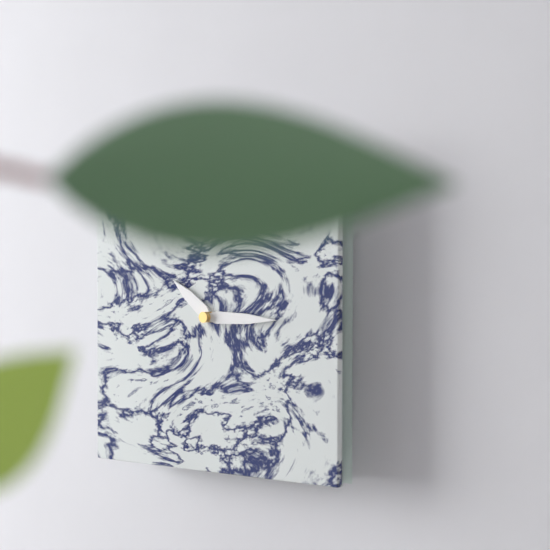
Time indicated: 10:15
